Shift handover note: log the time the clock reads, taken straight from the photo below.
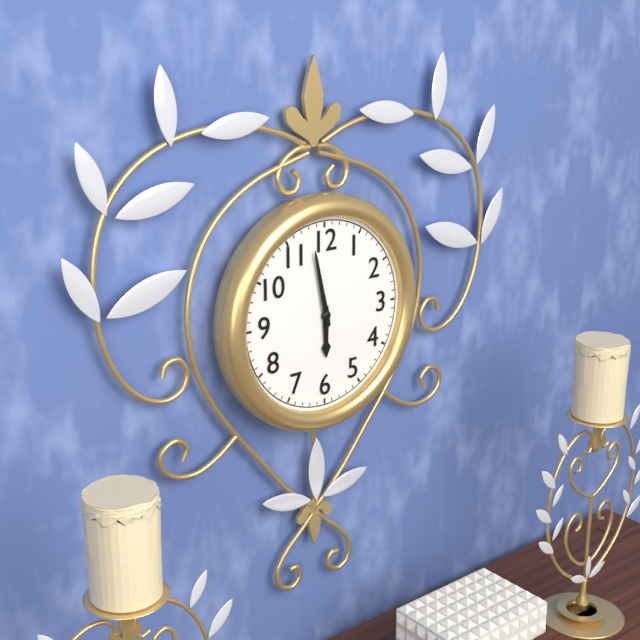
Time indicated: 5:58
